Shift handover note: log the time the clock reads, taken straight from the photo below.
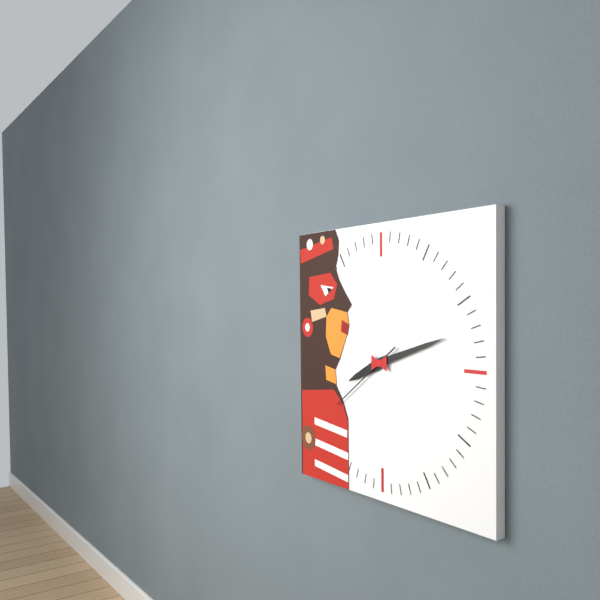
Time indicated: 8:12:39
